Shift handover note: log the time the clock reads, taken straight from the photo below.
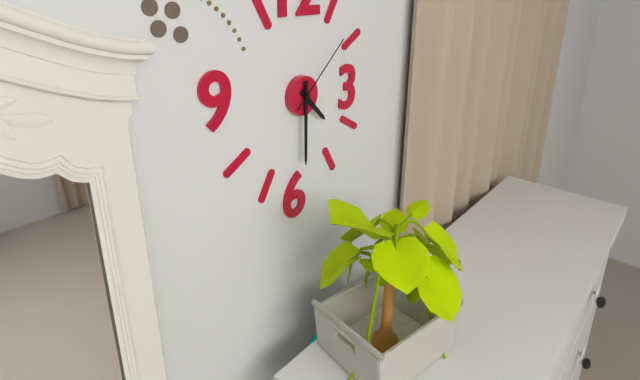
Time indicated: 4:30:08
